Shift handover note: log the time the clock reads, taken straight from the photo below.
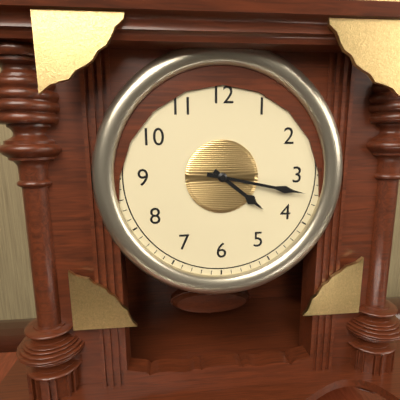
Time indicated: 4:17
